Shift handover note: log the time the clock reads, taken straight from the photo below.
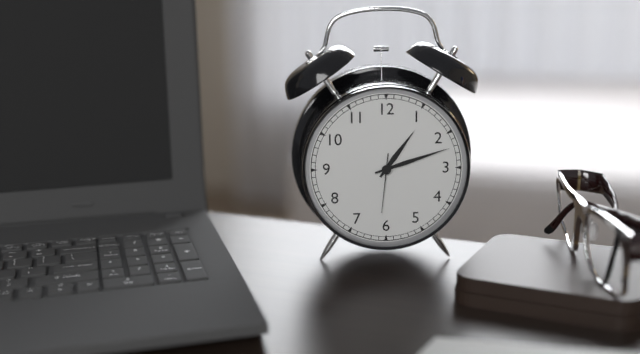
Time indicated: 1:12:31
